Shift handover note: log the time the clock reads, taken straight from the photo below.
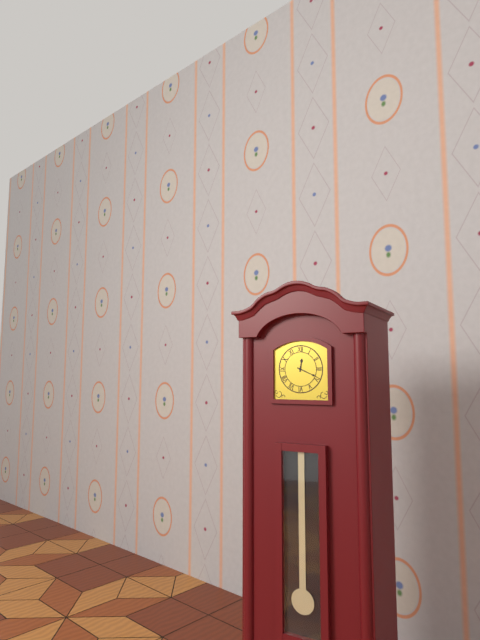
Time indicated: 12:19
